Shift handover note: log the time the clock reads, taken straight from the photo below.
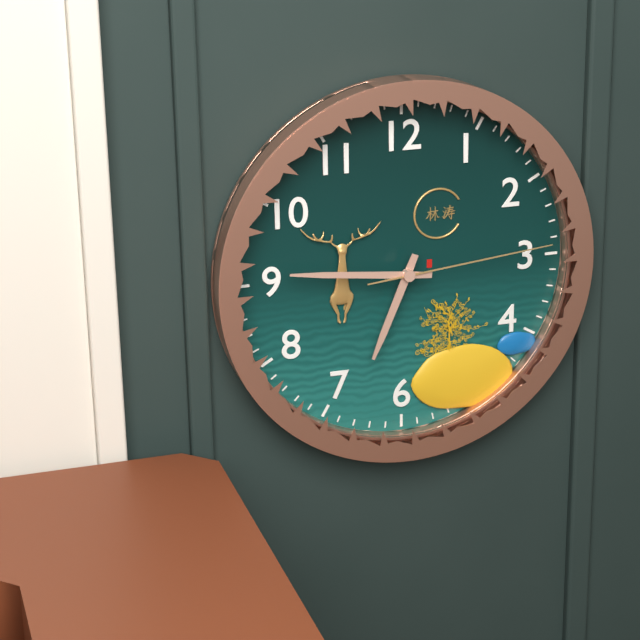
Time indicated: 6:46:14
